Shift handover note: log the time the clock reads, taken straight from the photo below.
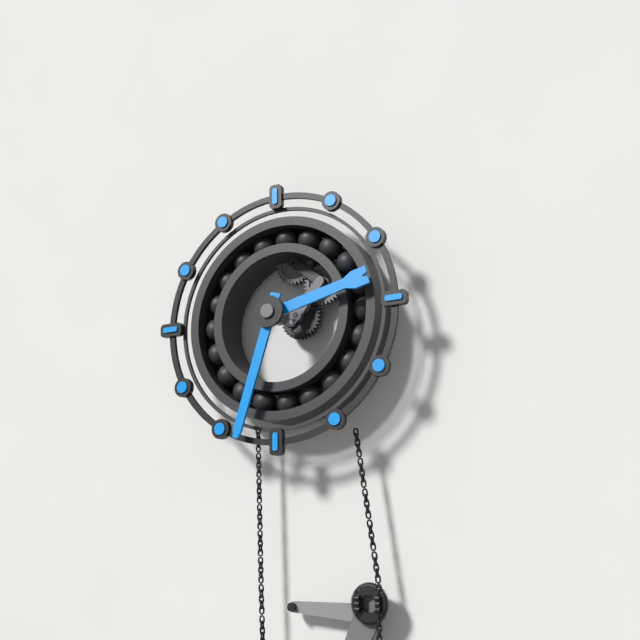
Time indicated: 2:33
